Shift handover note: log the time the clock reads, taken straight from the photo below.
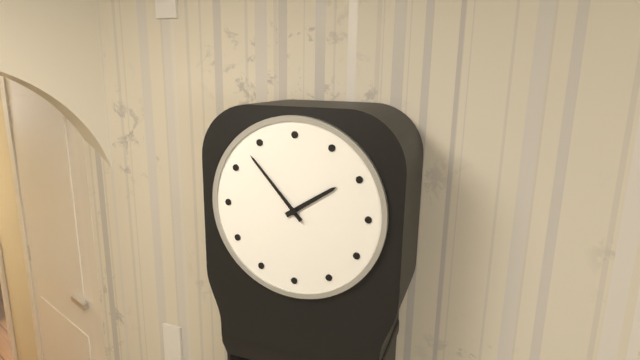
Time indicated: 1:53
